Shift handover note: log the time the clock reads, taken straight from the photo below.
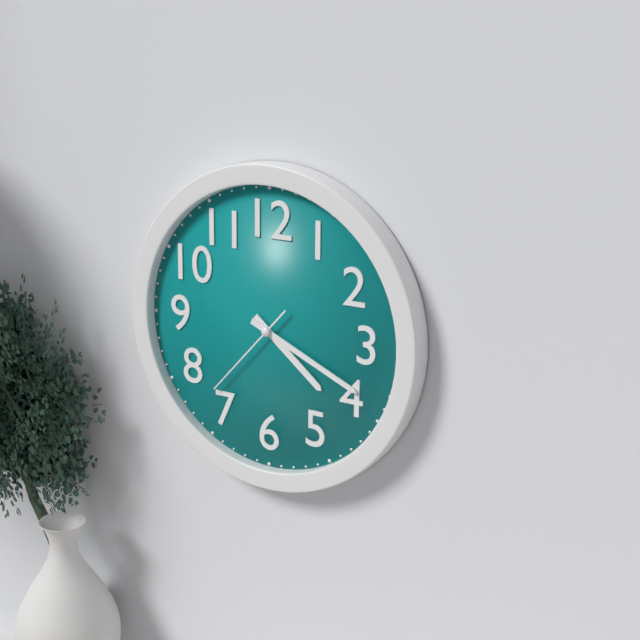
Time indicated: 4:19:37
